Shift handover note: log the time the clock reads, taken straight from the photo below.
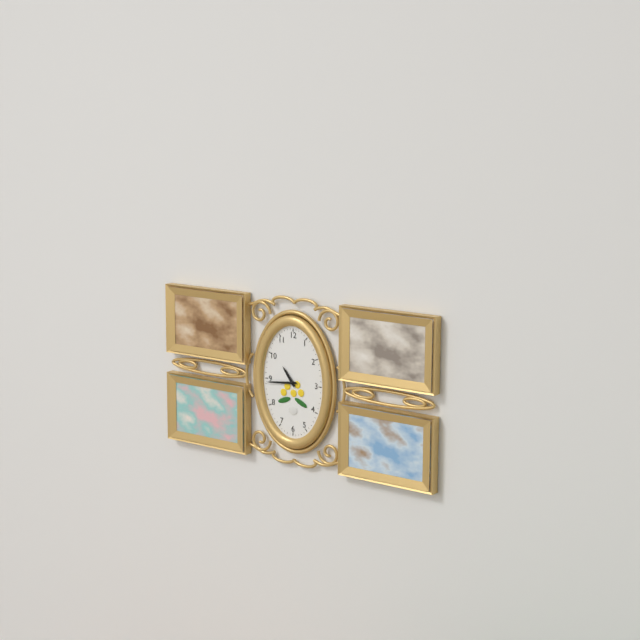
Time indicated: 10:44
